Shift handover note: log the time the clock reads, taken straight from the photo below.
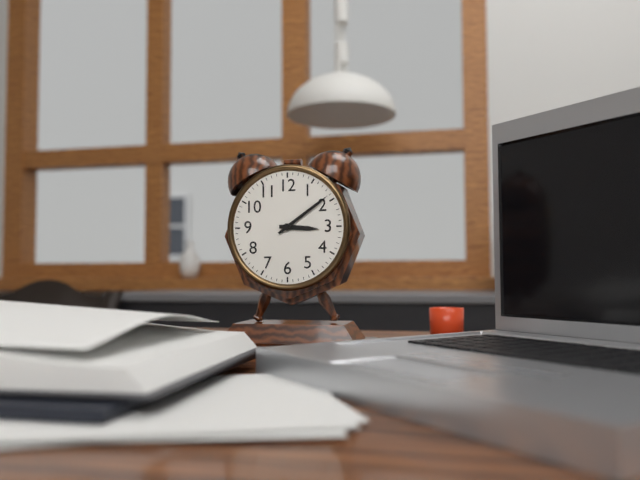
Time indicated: 3:09
